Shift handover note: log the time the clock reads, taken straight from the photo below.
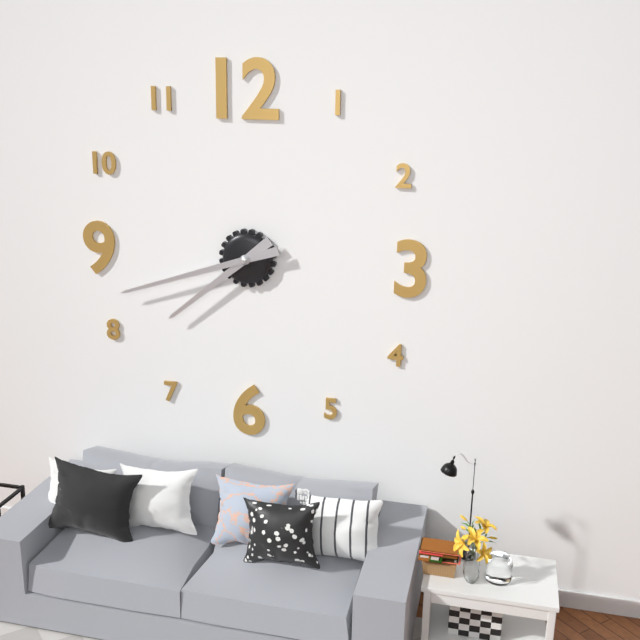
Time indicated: 7:42
